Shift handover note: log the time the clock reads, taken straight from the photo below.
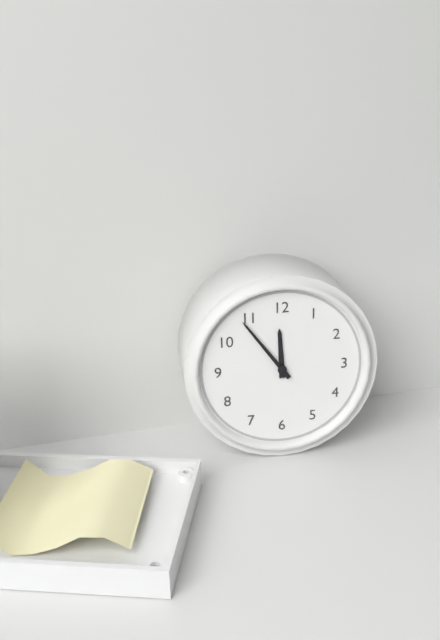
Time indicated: 11:54
